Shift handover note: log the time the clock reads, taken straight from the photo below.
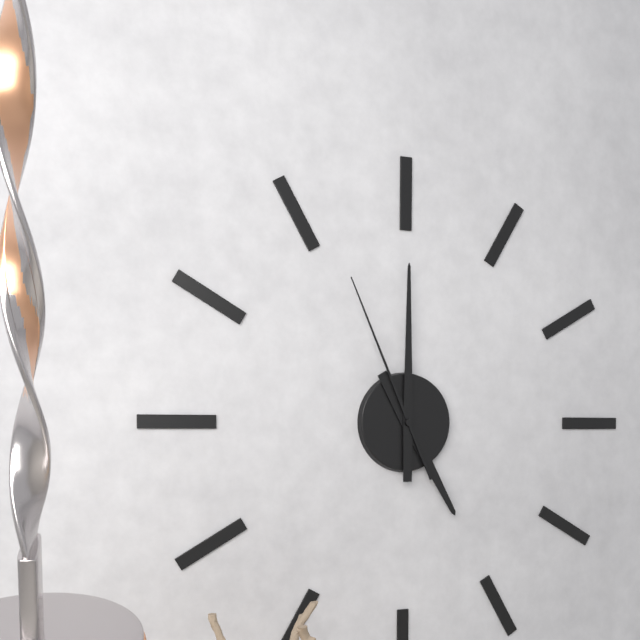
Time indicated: 5:00:56
